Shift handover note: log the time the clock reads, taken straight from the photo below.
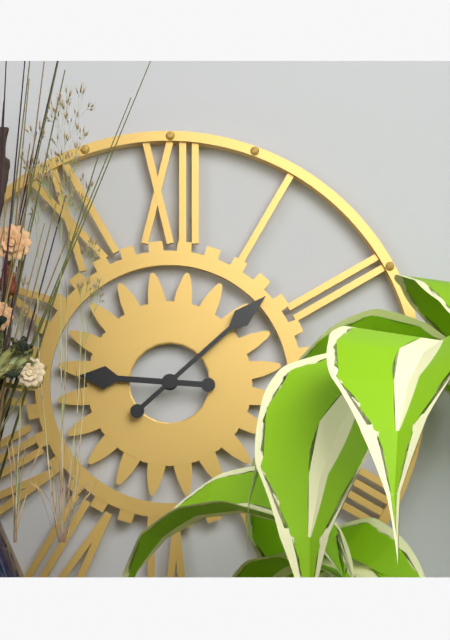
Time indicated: 9:08
